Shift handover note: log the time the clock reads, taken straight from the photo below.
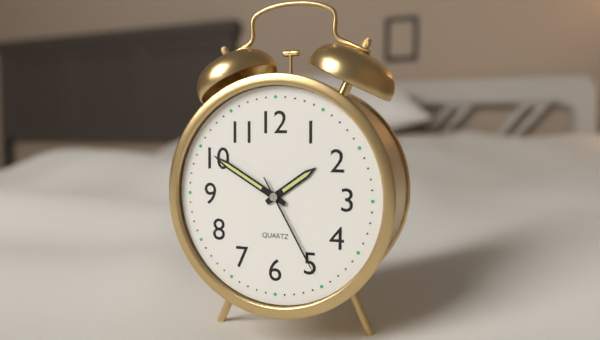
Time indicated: 1:50:25
